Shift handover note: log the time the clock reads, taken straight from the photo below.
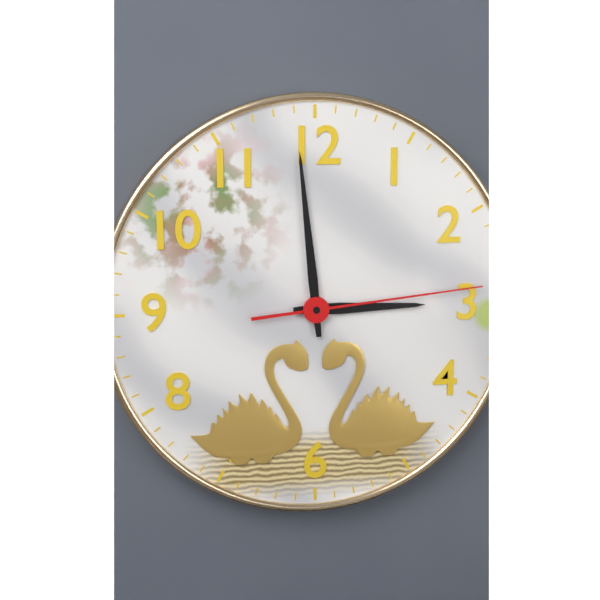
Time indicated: 2:59:14
